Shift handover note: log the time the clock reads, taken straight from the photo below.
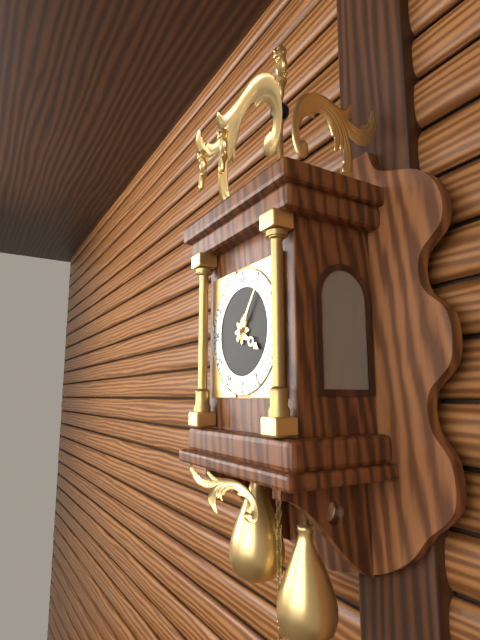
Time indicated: 4:06
